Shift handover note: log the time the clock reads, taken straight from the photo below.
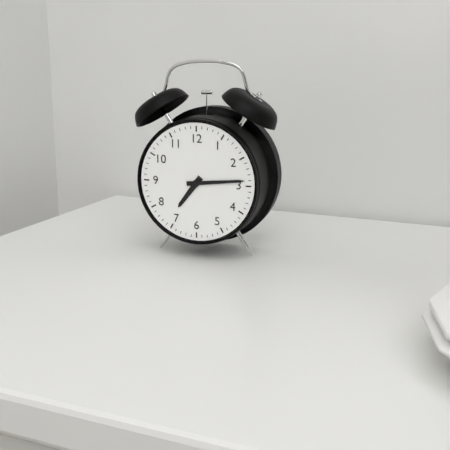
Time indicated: 7:14
